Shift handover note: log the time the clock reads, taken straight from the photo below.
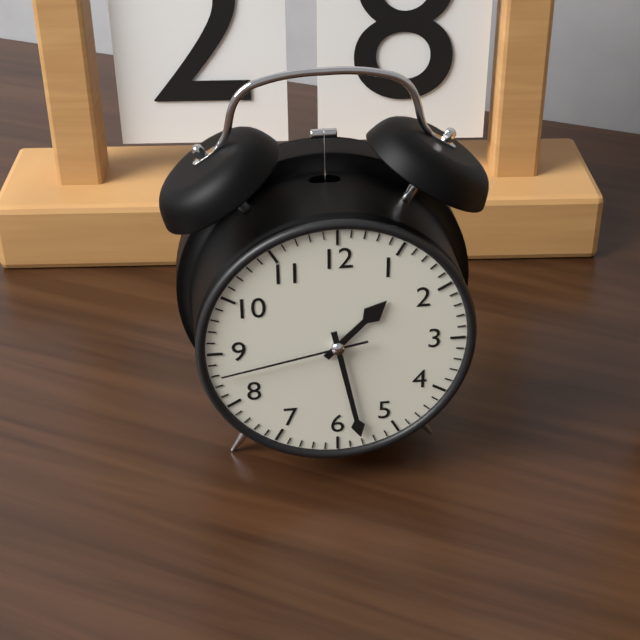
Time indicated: 1:28:43
